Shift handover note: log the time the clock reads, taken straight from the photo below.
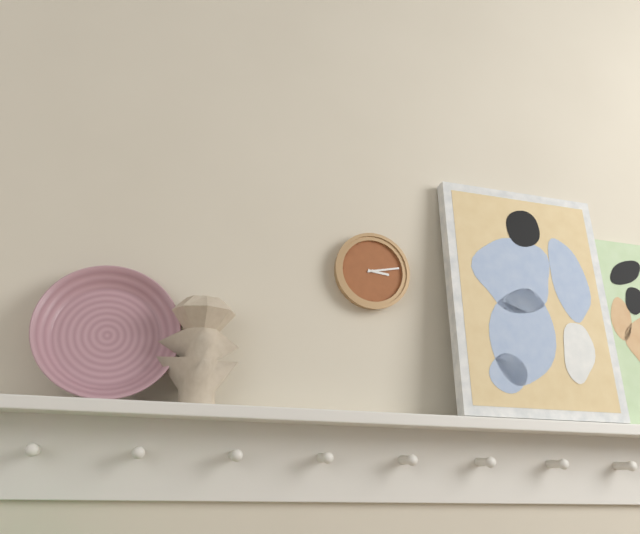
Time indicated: 3:13
